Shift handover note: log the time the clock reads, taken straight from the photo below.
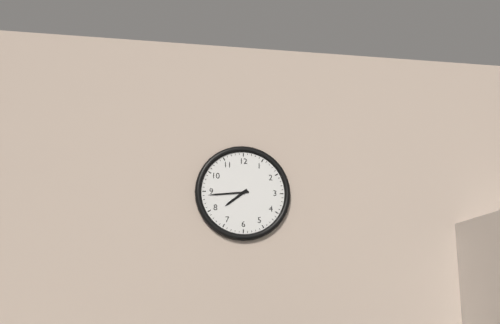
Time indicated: 7:44
